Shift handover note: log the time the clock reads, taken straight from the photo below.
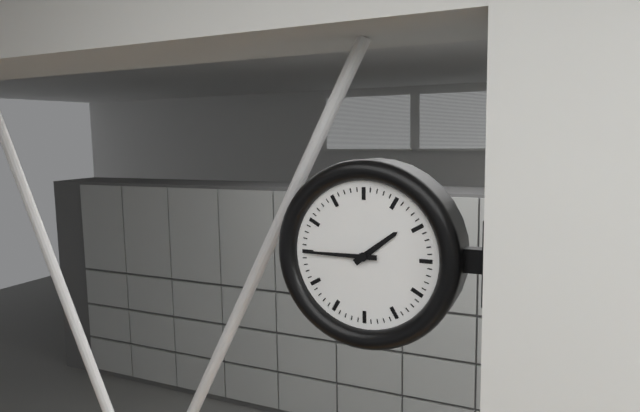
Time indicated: 1:45
